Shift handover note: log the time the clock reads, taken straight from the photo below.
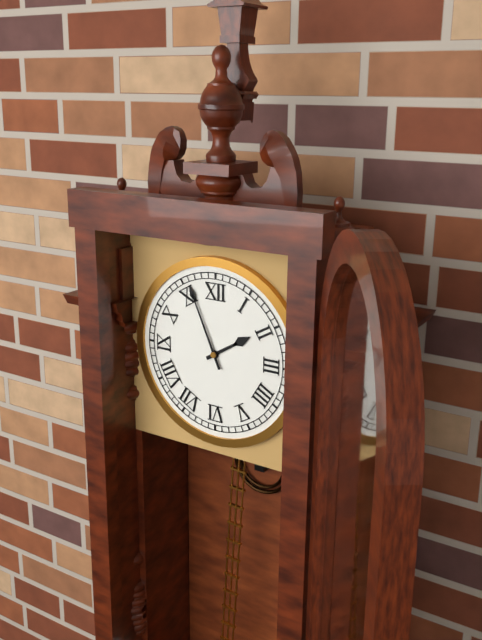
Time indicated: 1:56
